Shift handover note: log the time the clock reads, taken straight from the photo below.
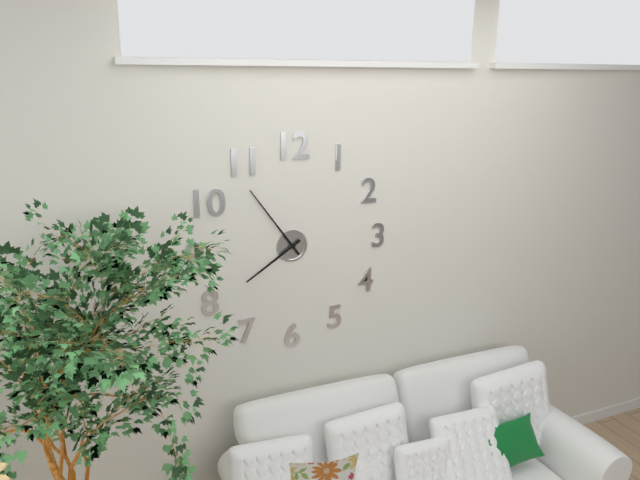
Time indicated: 7:54
